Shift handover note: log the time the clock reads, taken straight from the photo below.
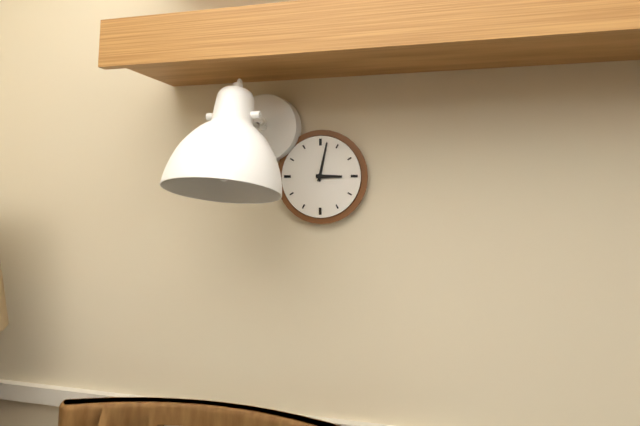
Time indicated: 3:02
